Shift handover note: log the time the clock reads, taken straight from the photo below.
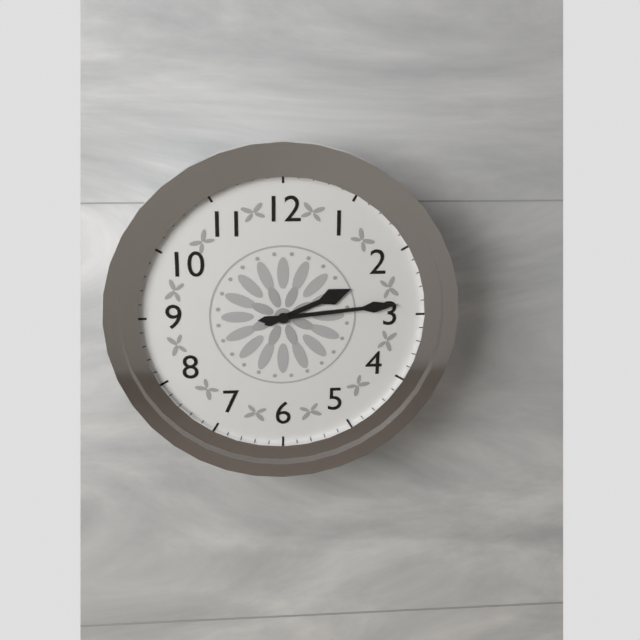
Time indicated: 2:14
